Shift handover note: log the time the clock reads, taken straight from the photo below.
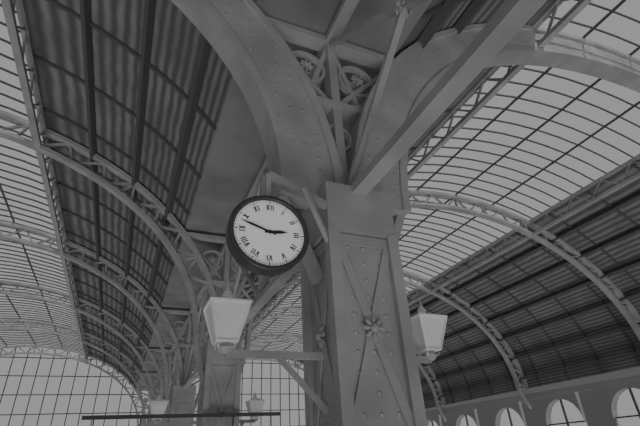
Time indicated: 2:48
